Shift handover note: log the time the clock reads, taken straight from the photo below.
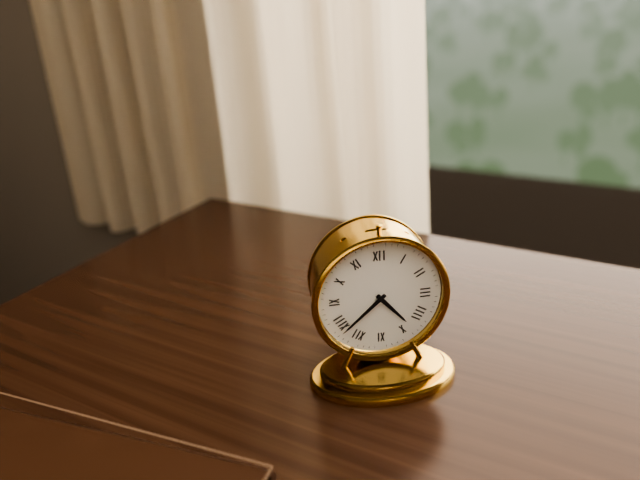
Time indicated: 4:38
